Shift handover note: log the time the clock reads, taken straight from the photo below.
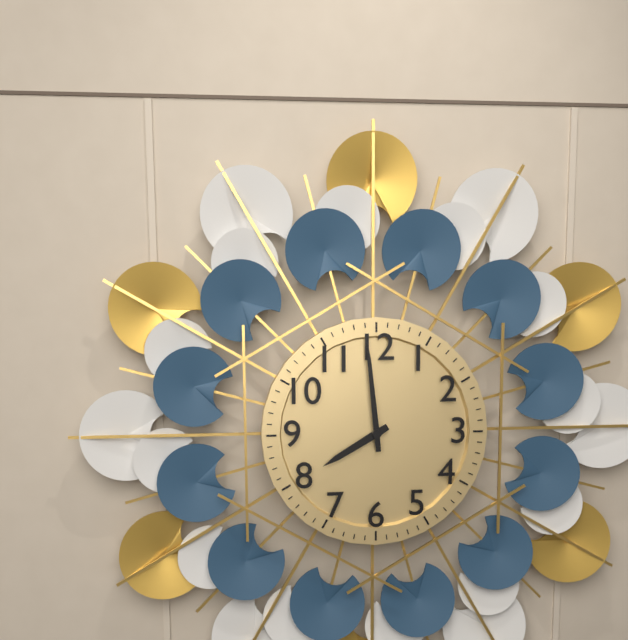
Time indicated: 7:59
